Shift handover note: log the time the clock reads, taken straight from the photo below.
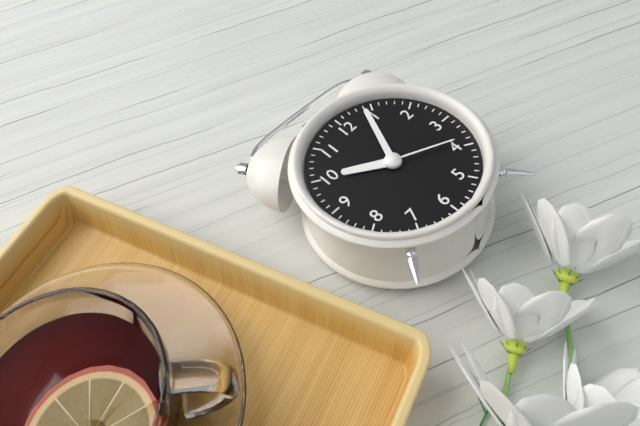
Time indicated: 10:04:19
